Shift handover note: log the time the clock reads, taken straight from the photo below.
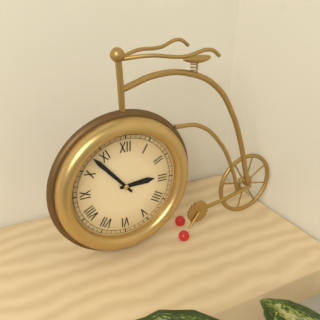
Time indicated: 2:53
